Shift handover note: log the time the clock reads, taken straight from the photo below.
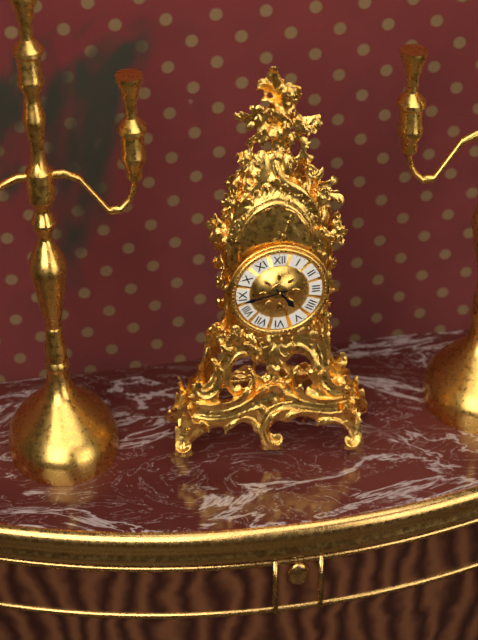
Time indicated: 4:43
